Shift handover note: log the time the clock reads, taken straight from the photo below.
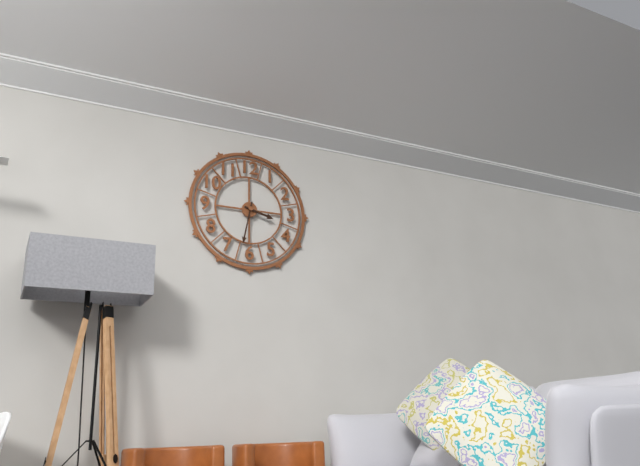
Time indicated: 3:32
